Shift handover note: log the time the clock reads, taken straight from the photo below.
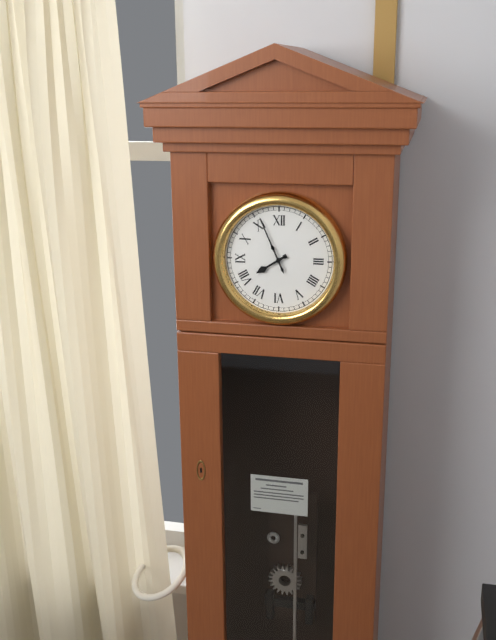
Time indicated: 7:56
